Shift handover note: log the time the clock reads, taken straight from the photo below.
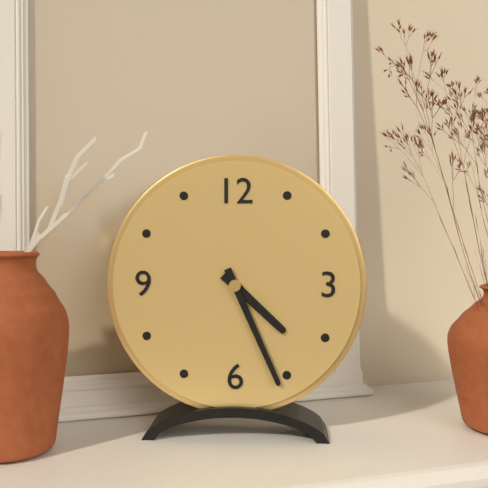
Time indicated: 4:26
